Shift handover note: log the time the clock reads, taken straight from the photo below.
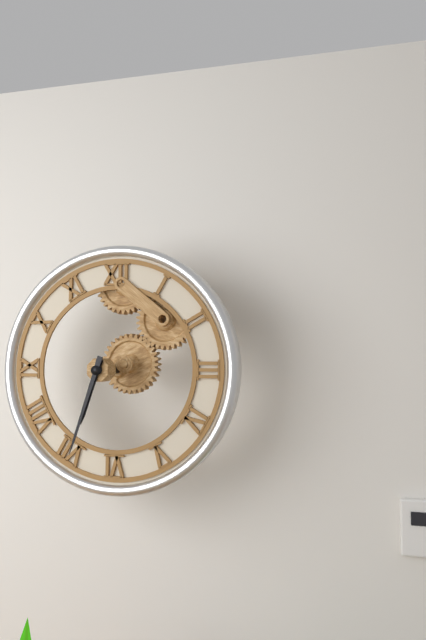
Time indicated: 6:33
